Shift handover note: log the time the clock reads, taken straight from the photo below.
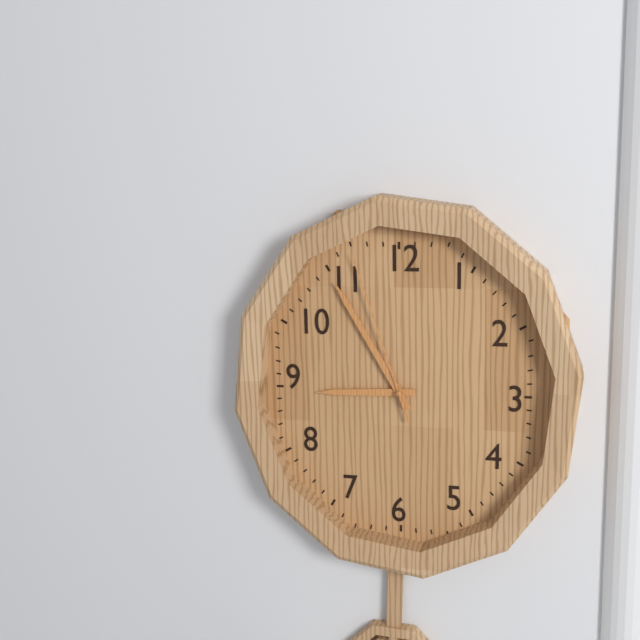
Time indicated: 8:55:57
